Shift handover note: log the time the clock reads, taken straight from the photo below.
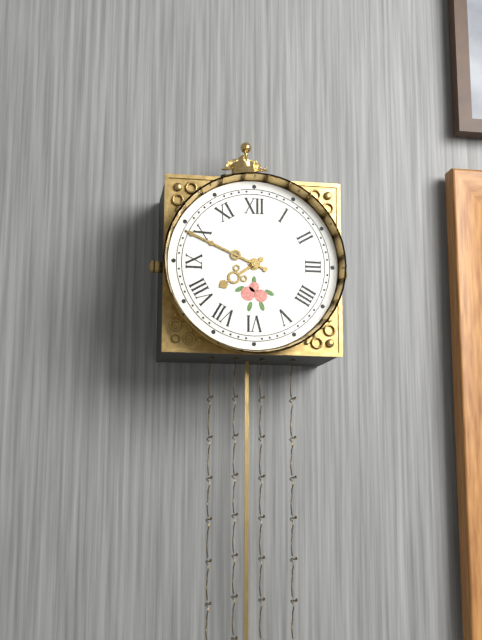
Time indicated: 7:49
